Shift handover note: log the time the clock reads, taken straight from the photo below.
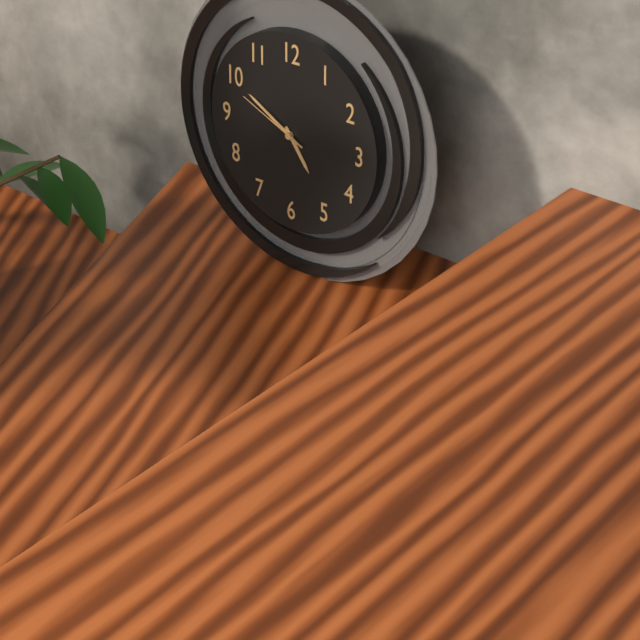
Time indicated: 4:50:49
